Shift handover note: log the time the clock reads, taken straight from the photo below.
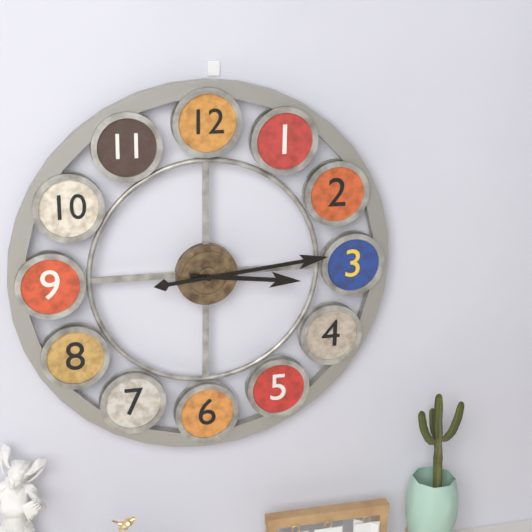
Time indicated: 3:14
